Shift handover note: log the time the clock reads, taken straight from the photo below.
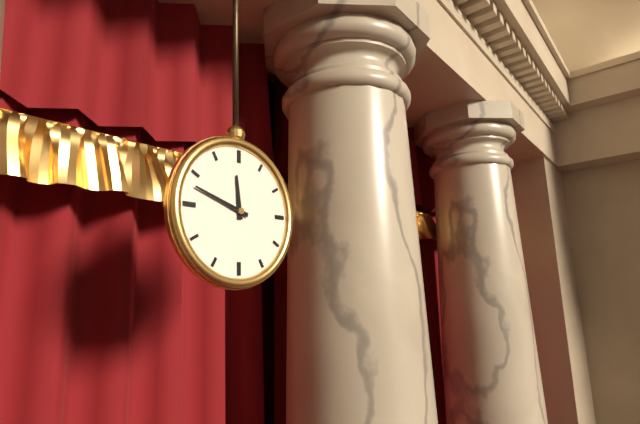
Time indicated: 11:48
